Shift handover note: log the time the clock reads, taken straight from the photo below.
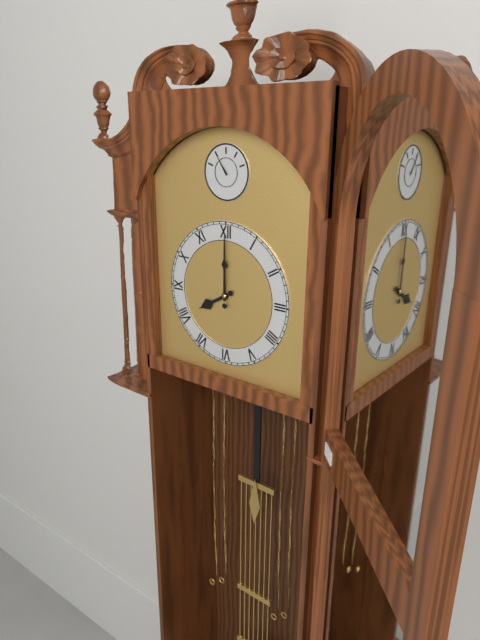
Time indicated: 8:00
